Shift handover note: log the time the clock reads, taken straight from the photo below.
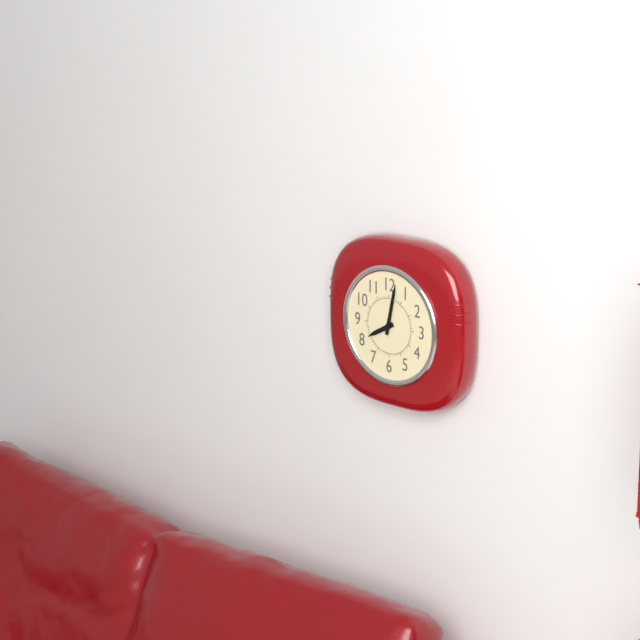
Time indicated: 8:02
